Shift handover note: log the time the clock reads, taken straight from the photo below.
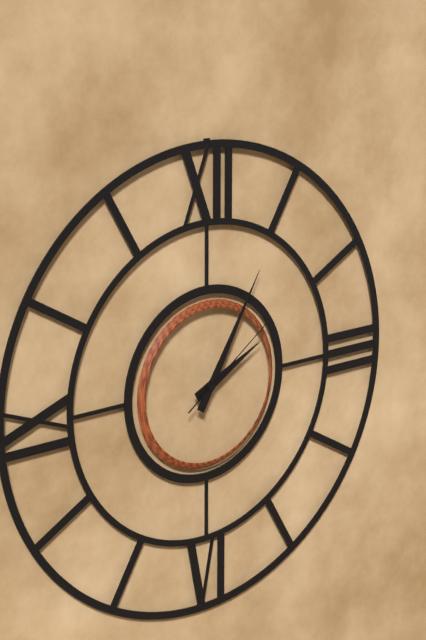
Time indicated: 2:05:09
